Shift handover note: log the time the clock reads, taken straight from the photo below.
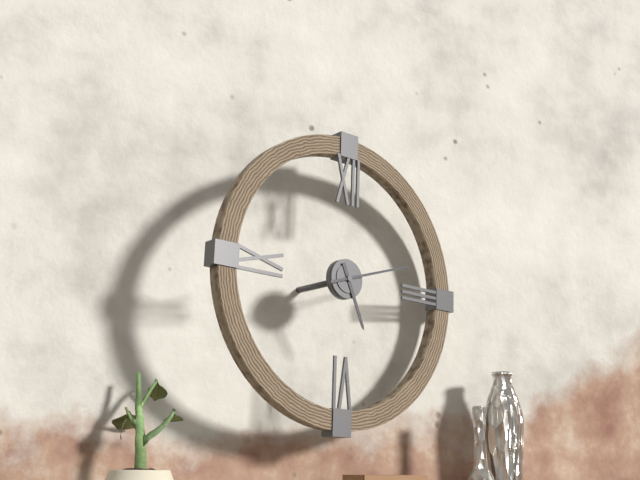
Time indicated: 5:12
